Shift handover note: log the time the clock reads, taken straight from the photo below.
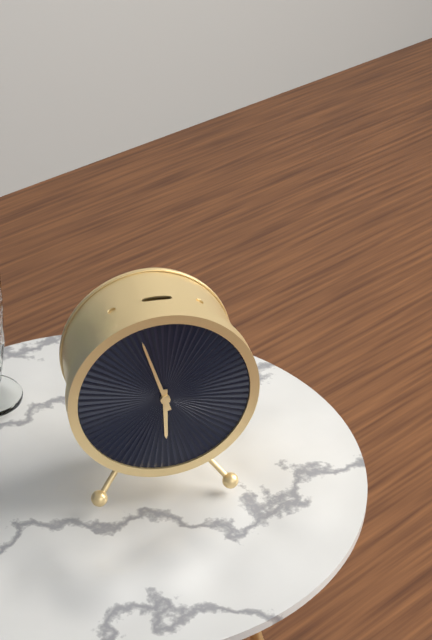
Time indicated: 5:57
